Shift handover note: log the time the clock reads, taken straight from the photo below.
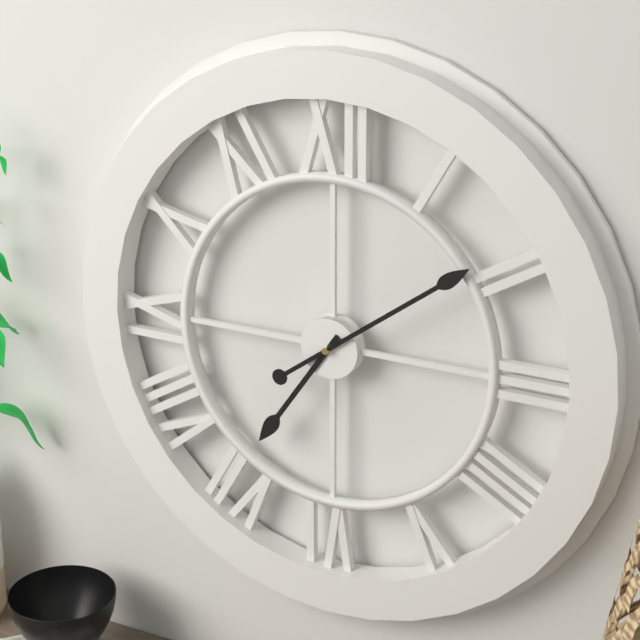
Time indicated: 7:09
